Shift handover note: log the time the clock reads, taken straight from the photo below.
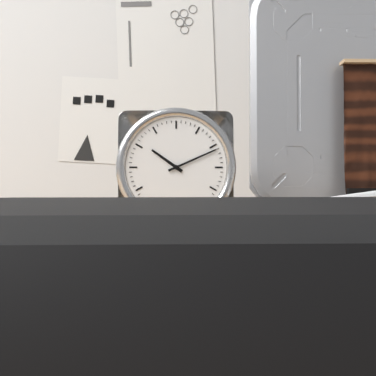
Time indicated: 10:11
